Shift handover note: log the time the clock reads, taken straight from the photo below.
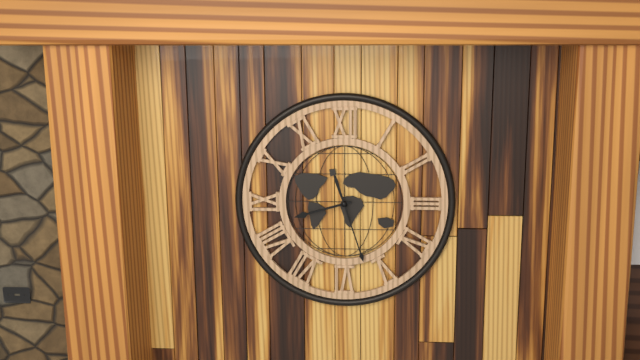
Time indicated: 8:27
